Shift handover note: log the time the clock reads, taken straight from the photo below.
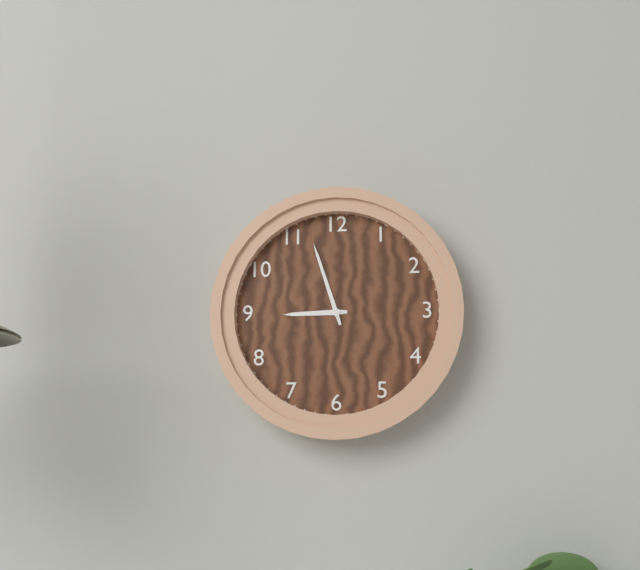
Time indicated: 8:57
